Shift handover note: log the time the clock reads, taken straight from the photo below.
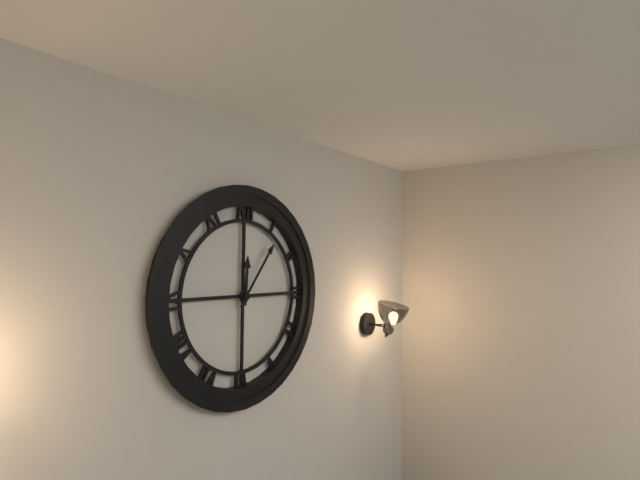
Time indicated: 12:06
